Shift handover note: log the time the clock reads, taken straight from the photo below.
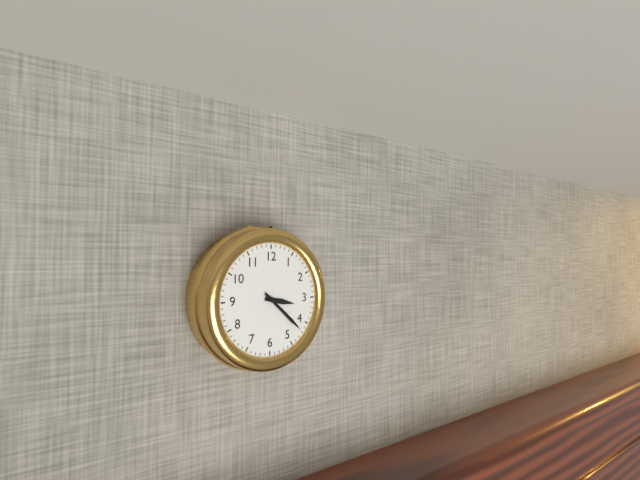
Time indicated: 3:22
